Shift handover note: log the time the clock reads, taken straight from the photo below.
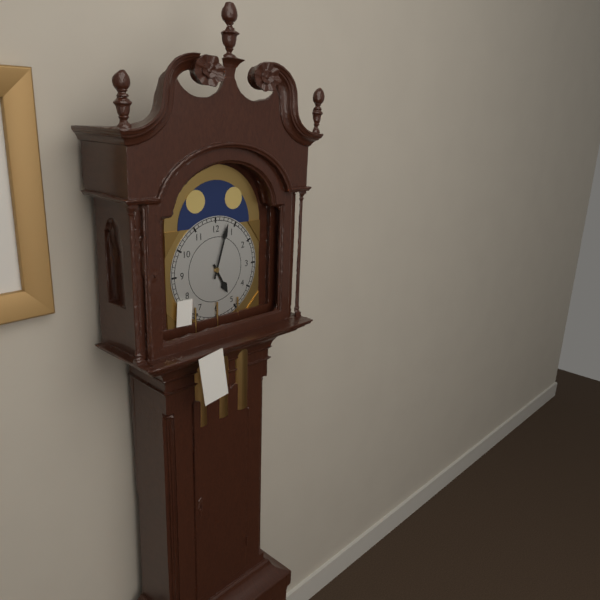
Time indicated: 5:03
